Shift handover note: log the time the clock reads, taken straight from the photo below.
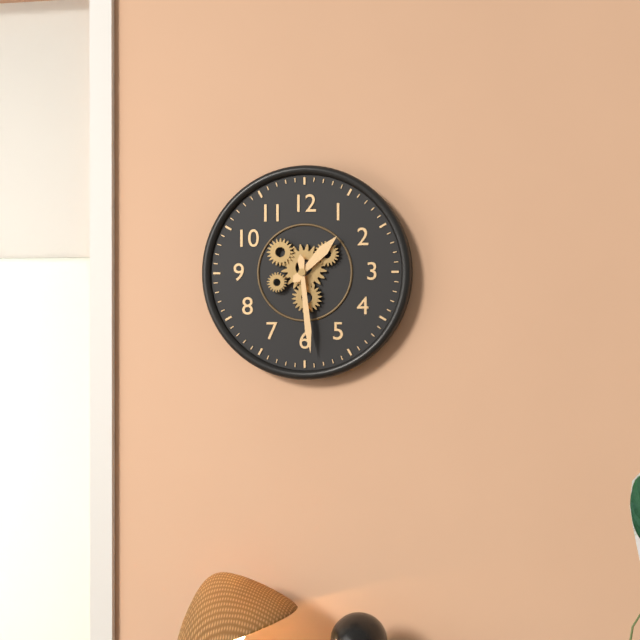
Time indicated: 1:29
